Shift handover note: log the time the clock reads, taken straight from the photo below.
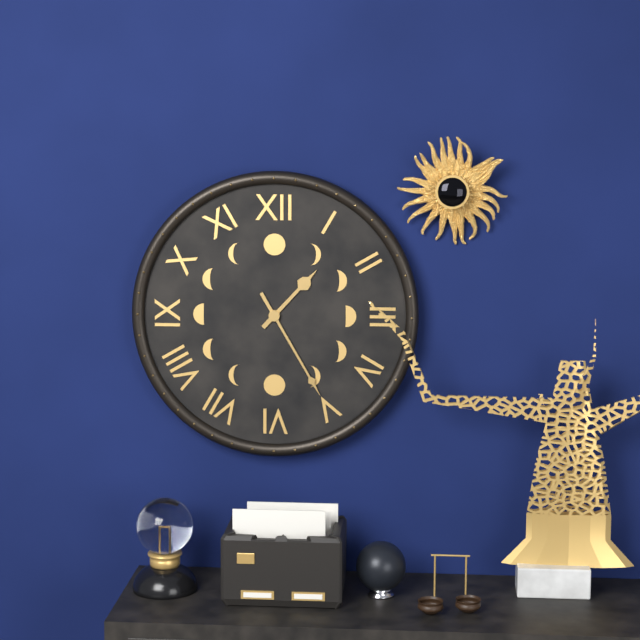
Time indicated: 1:25
